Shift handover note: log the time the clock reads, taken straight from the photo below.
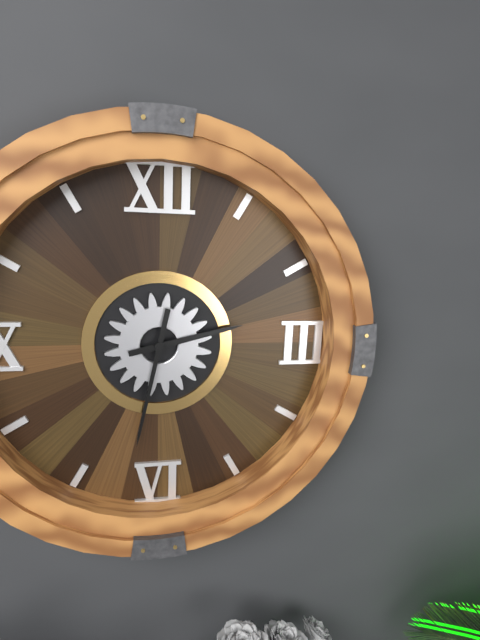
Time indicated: 2:32
